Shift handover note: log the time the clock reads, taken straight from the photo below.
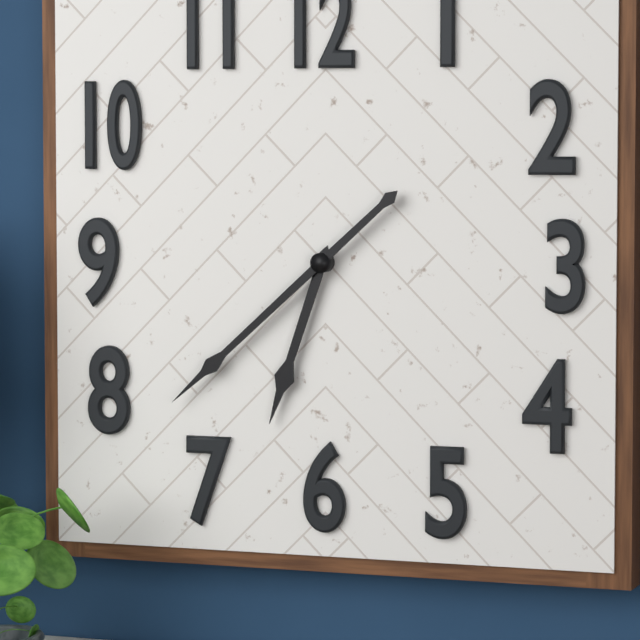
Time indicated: 6:38
